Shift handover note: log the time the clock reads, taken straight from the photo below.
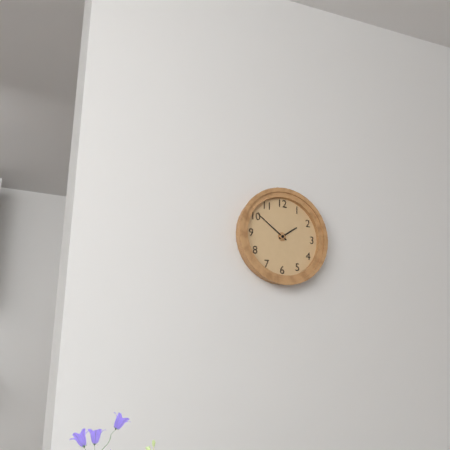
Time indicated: 1:51
